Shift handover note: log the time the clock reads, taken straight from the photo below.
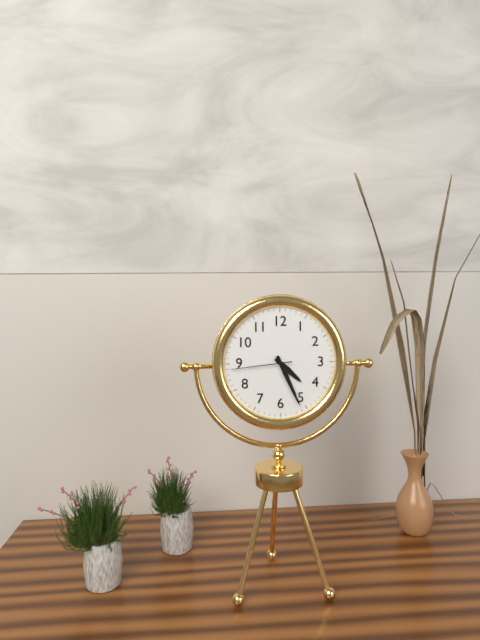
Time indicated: 4:26:44
